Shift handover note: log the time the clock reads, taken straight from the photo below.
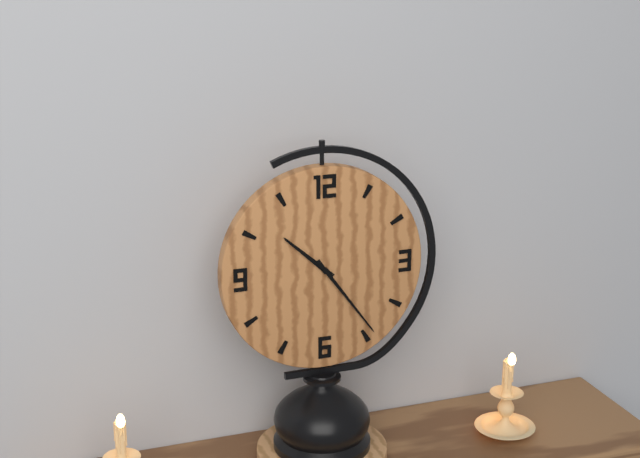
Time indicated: 10:24
